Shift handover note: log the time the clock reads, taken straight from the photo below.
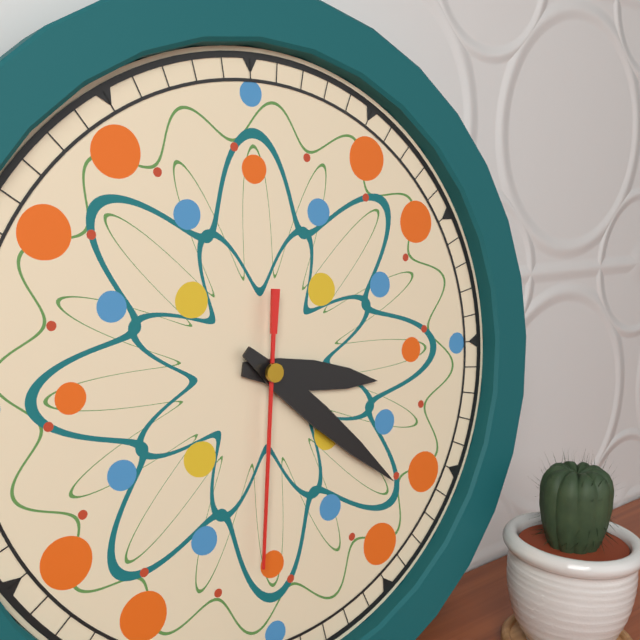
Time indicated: 3:22:31
